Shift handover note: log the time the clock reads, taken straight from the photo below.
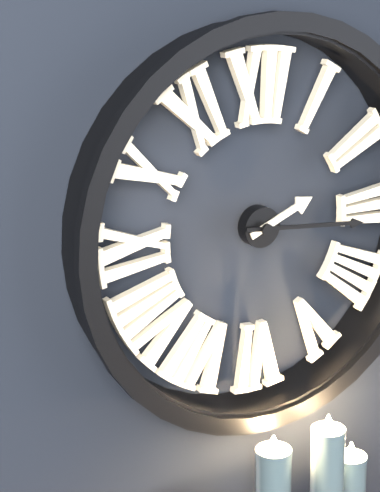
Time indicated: 2:16
